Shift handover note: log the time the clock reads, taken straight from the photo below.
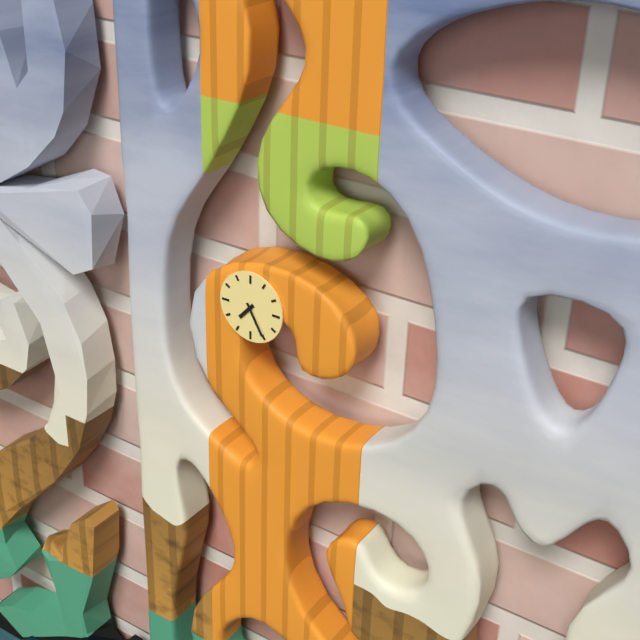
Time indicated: 7:25
